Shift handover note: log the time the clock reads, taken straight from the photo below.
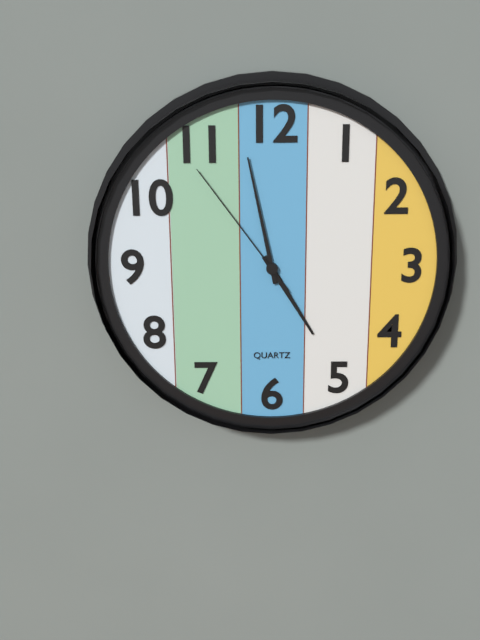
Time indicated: 4:58:54
